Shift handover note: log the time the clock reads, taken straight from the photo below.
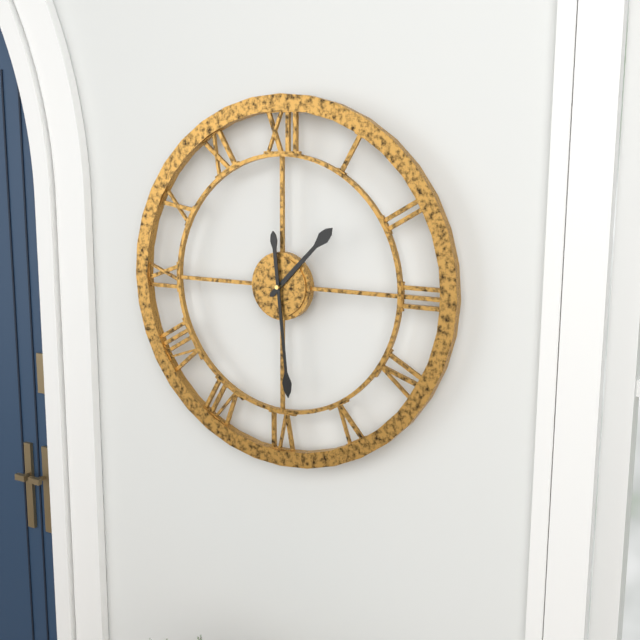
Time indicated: 1:29
